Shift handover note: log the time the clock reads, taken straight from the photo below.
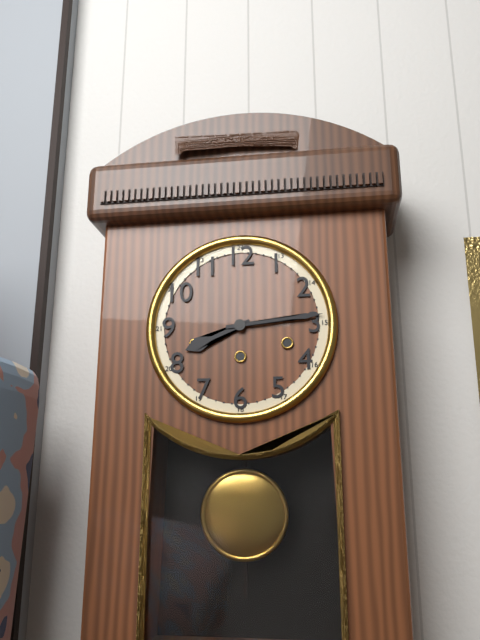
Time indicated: 8:14
